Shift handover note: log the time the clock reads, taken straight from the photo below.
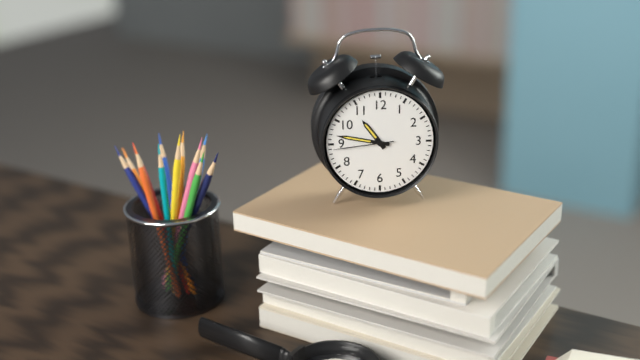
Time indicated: 10:47:44
